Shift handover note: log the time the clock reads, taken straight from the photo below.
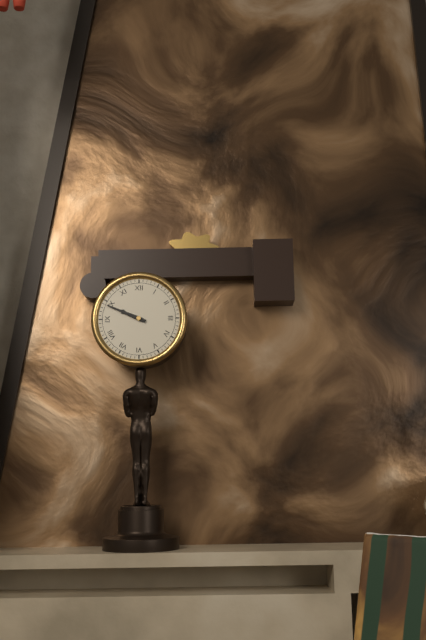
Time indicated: 9:49
